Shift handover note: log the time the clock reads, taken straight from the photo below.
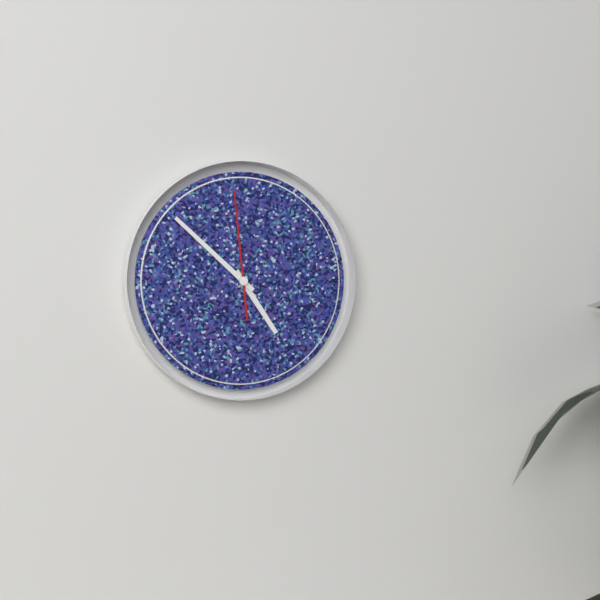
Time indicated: 4:52:59
